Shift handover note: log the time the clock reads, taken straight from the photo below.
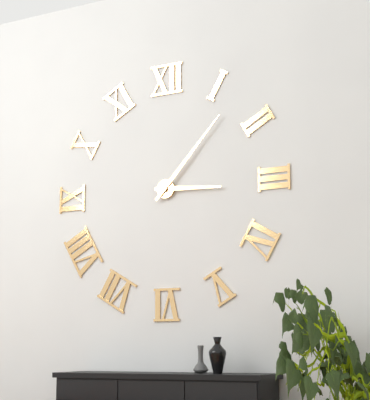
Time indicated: 3:07
